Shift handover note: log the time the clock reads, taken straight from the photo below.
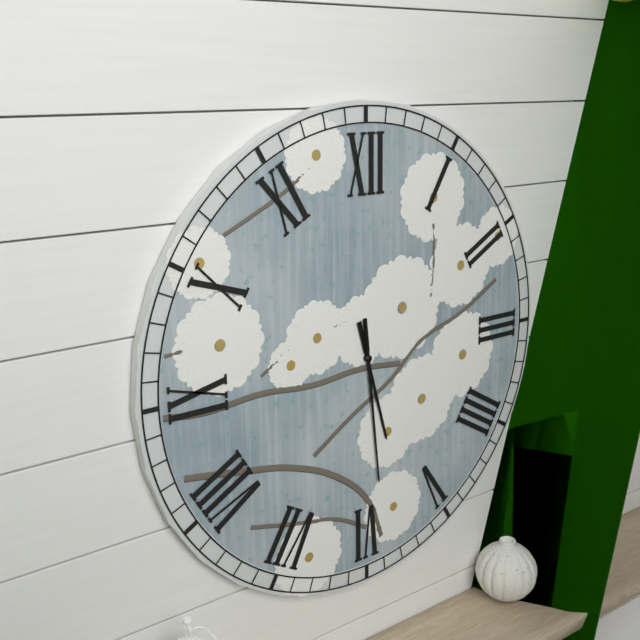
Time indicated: 5:29
